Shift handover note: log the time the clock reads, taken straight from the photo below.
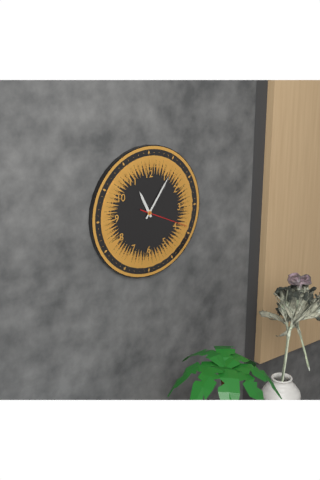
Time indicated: 11:06
